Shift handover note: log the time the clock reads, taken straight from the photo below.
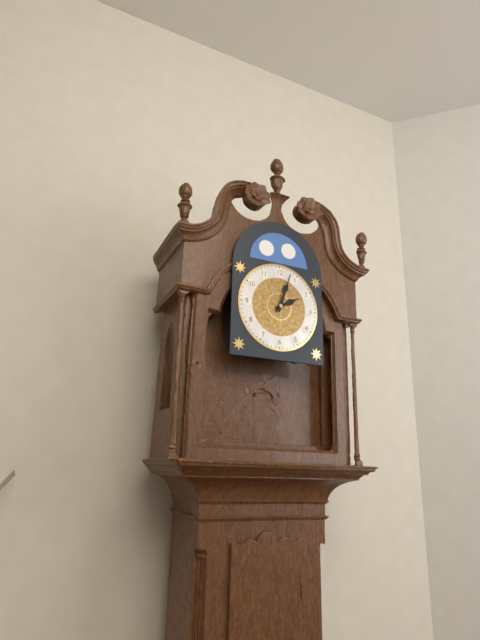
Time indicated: 2:03
